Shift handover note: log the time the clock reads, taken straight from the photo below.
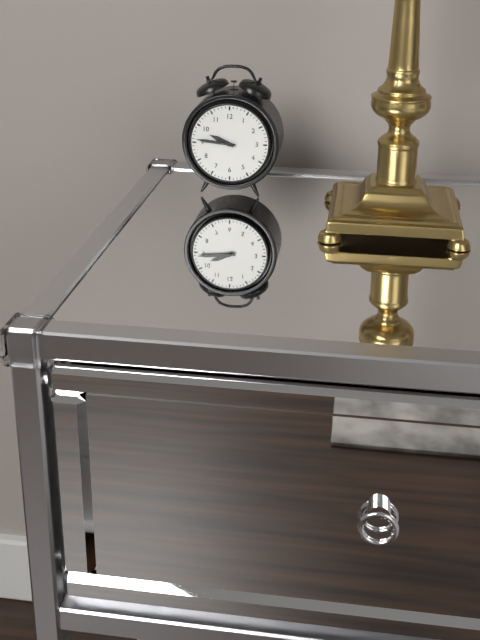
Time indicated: 9:46
